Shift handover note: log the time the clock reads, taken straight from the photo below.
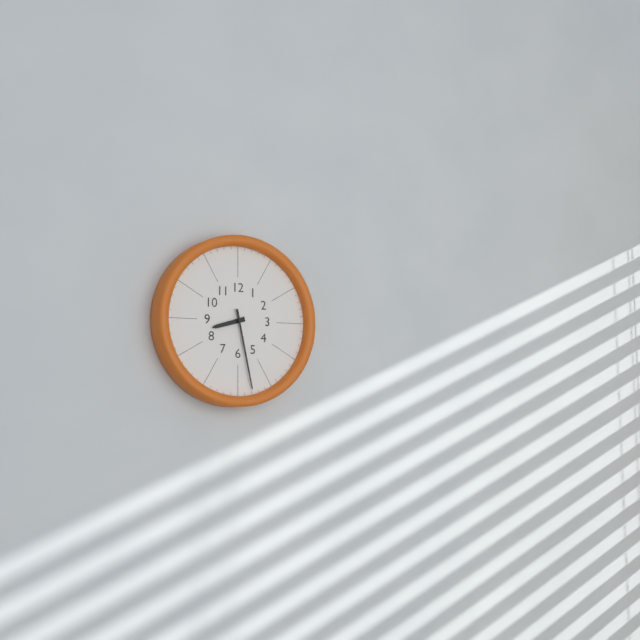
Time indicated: 8:28
